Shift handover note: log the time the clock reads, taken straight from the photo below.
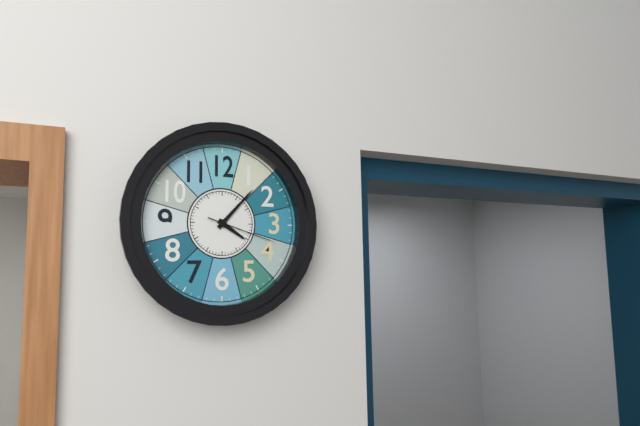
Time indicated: 4:07:18
